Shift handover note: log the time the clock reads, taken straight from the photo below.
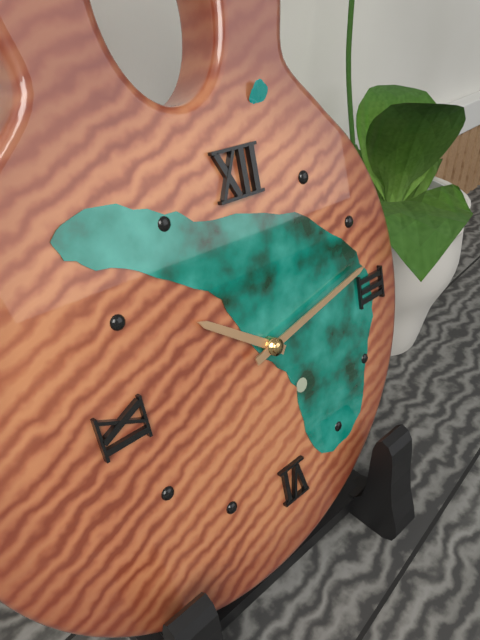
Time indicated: 10:13
